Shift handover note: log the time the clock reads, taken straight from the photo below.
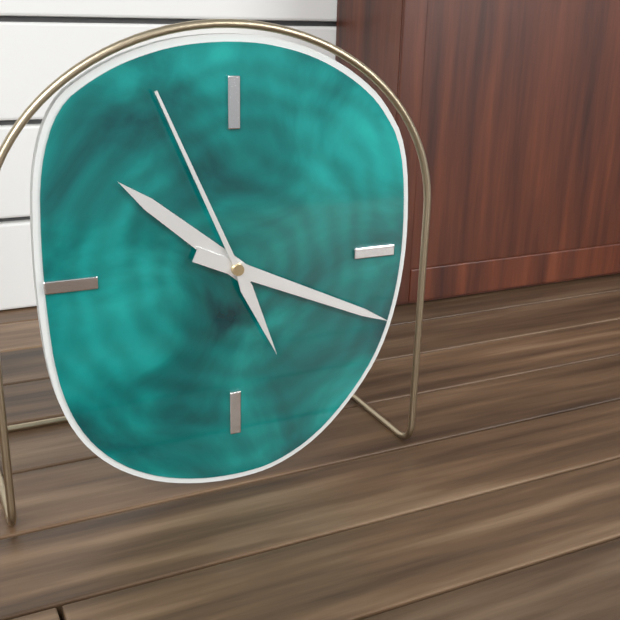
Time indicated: 10:19:56
